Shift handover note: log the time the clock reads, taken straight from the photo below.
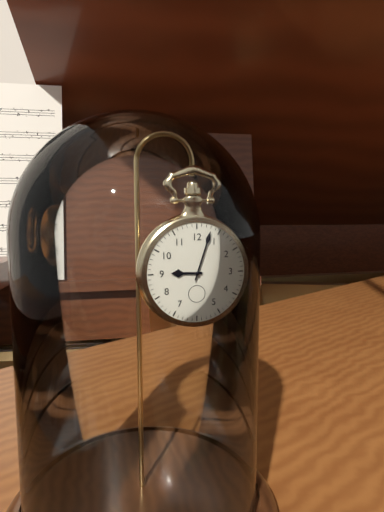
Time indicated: 9:03
